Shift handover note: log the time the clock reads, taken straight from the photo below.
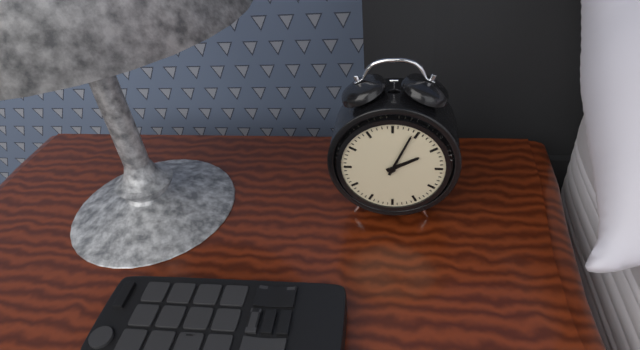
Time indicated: 2:04
